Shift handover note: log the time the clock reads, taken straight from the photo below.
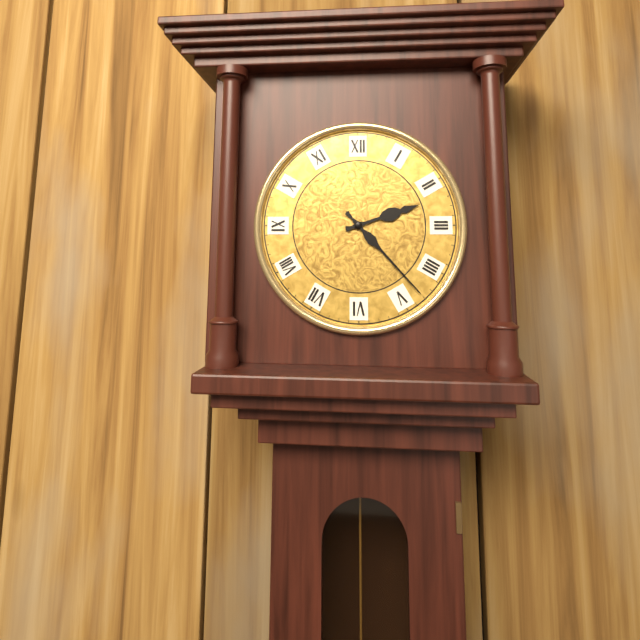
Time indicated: 2:23
